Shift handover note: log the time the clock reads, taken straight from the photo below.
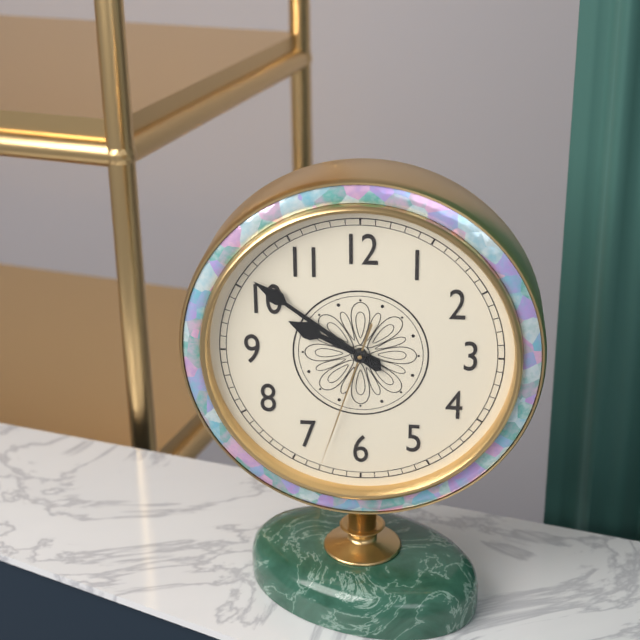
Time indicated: 9:51:33
